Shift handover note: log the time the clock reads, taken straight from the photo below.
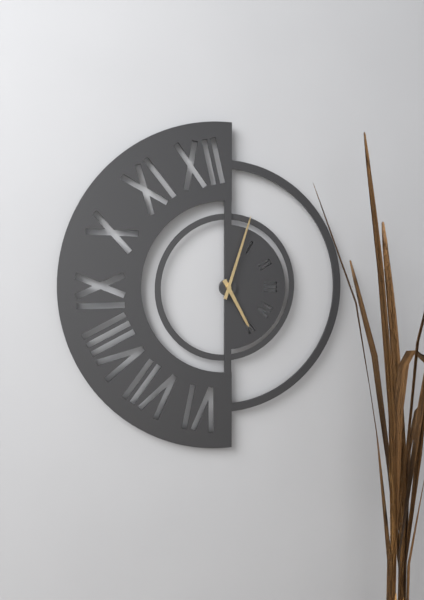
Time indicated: 5:03
